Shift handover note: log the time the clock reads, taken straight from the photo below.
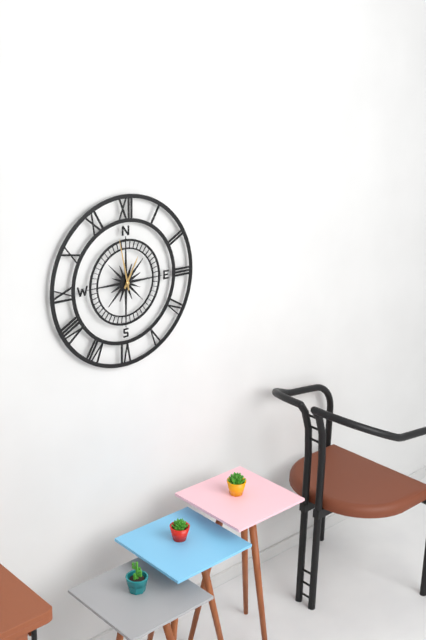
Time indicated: 12:58
